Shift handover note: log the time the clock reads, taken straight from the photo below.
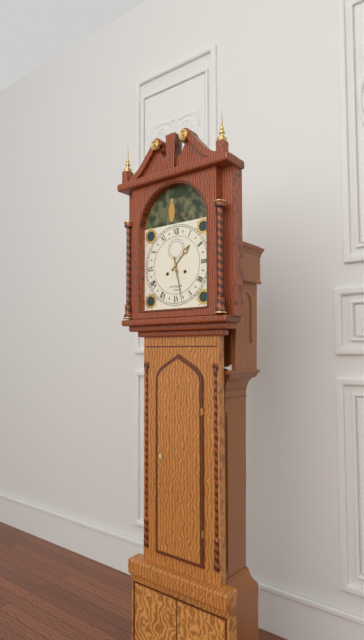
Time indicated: 1:28
